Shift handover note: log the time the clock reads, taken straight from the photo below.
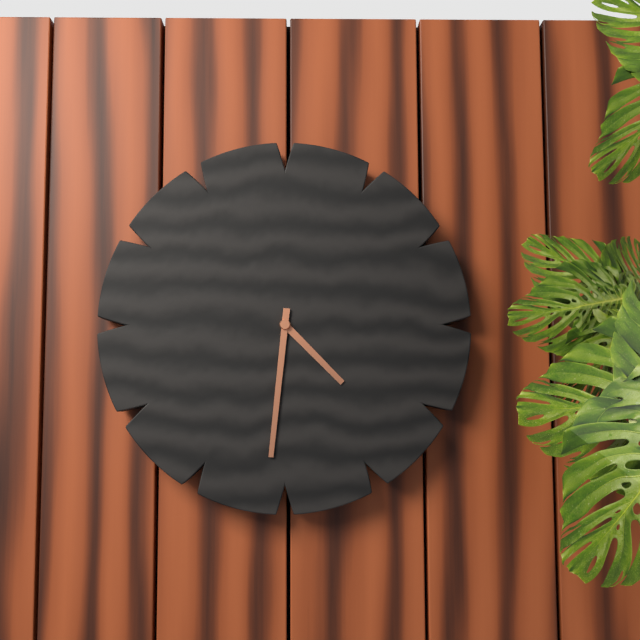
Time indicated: 4:31
